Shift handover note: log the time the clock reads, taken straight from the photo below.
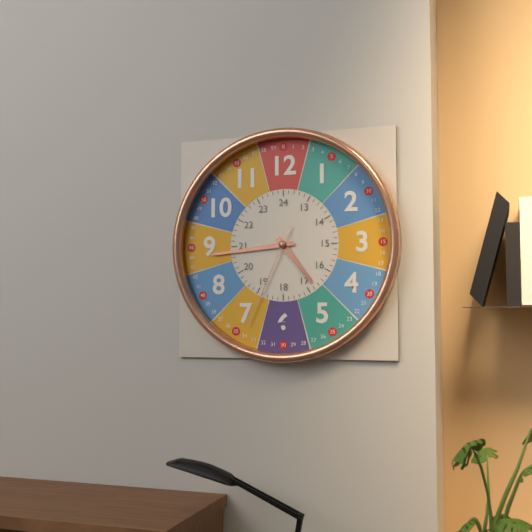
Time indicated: 4:44:34
